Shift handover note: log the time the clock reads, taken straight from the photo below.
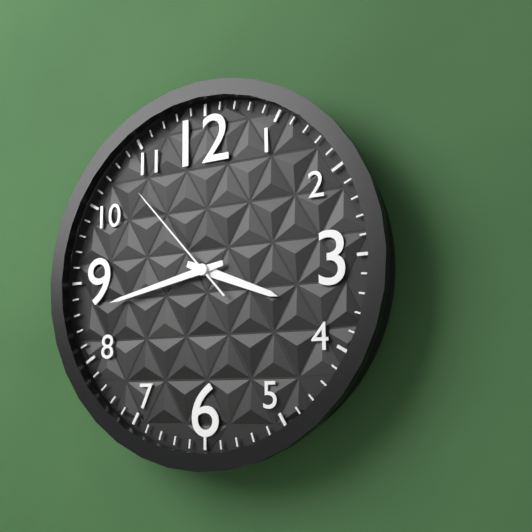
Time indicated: 3:43:53
